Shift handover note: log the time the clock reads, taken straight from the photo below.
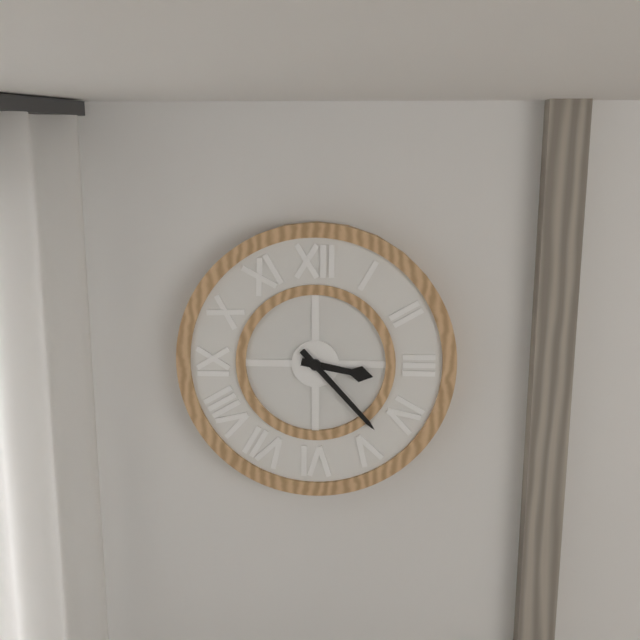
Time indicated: 3:23
